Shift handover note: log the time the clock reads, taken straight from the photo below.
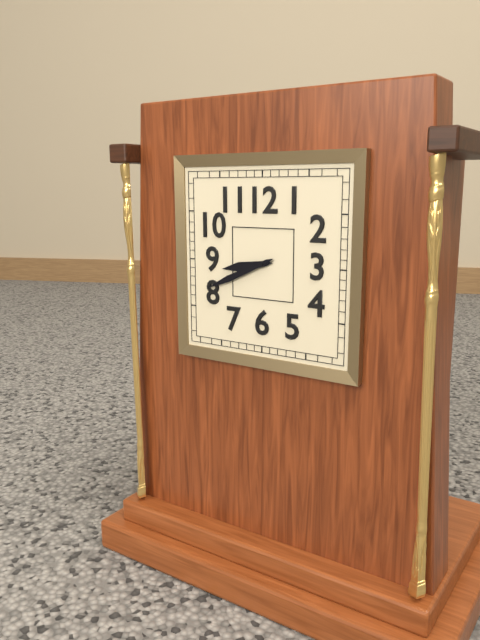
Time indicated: 8:41
